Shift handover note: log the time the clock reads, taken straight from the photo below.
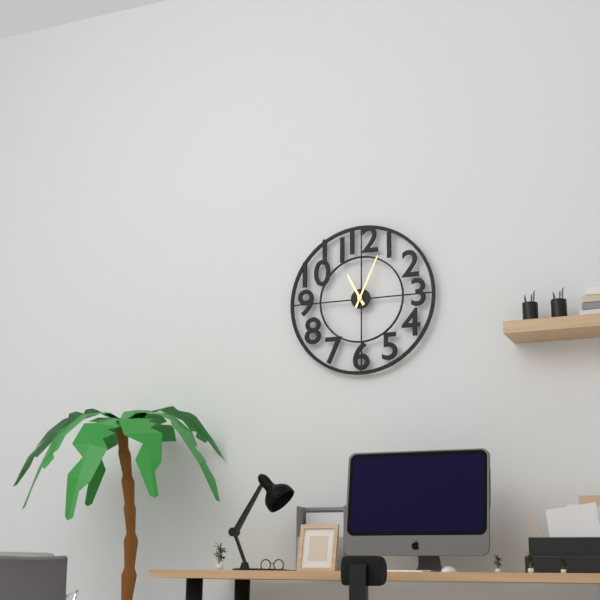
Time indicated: 11:04
